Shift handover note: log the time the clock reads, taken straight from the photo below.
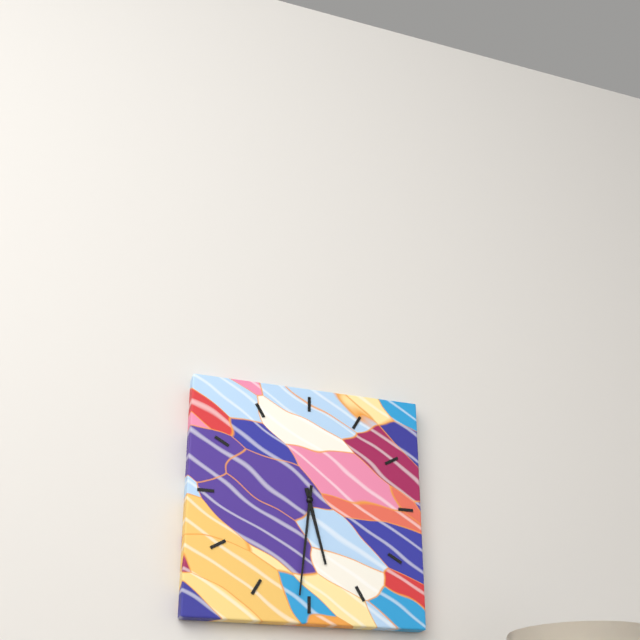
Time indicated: 5:31
